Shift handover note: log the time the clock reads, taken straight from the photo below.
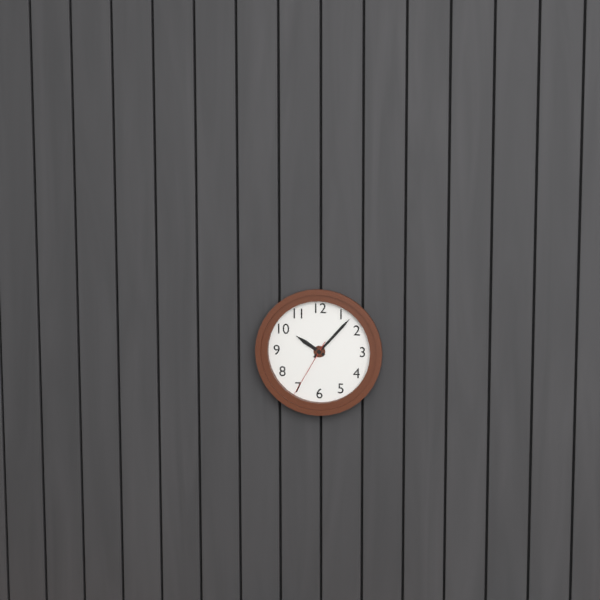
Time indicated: 10:07:35
